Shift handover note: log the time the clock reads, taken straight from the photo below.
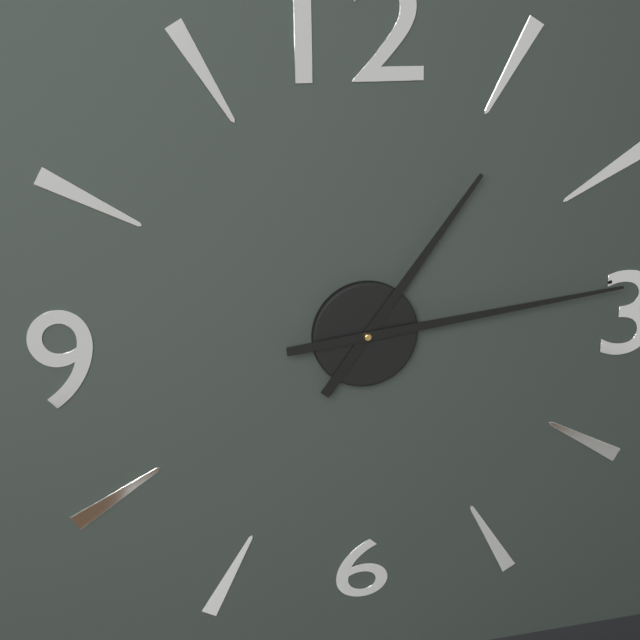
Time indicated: 1:14
